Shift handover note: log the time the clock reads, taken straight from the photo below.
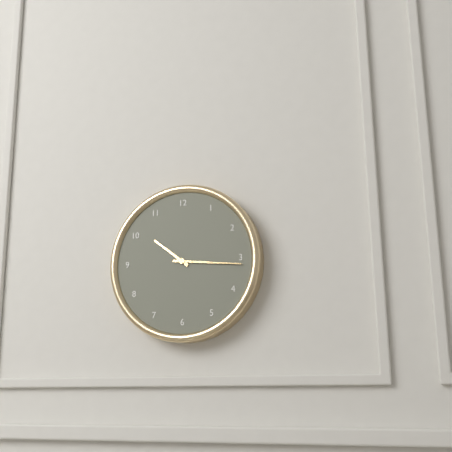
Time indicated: 10:16
